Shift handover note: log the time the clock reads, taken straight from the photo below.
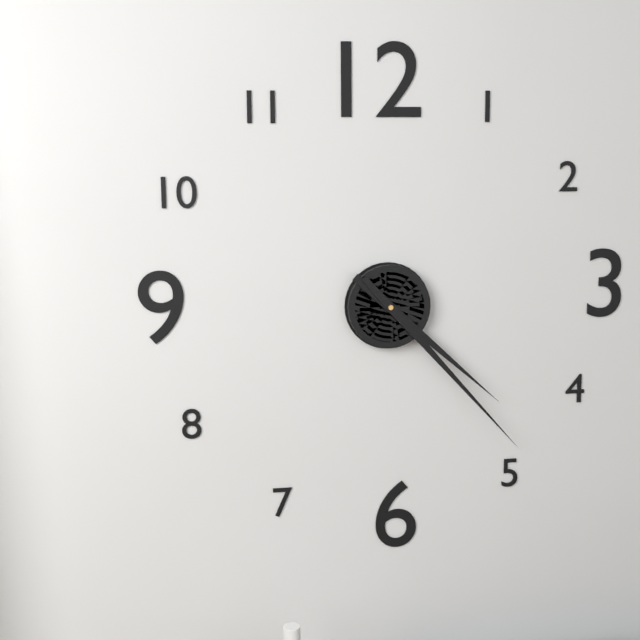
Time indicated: 4:23
